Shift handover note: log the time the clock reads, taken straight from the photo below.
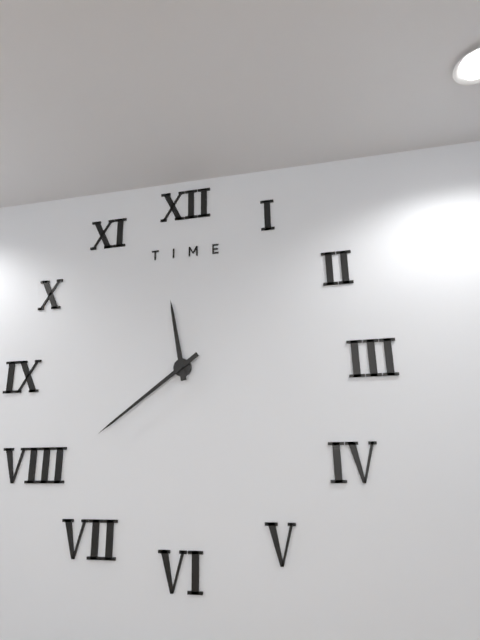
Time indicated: 11:39
